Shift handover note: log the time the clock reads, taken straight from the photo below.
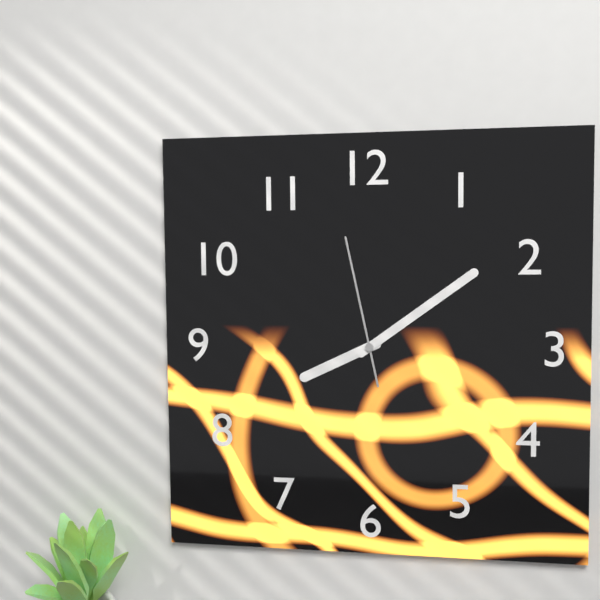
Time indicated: 8:09:58
